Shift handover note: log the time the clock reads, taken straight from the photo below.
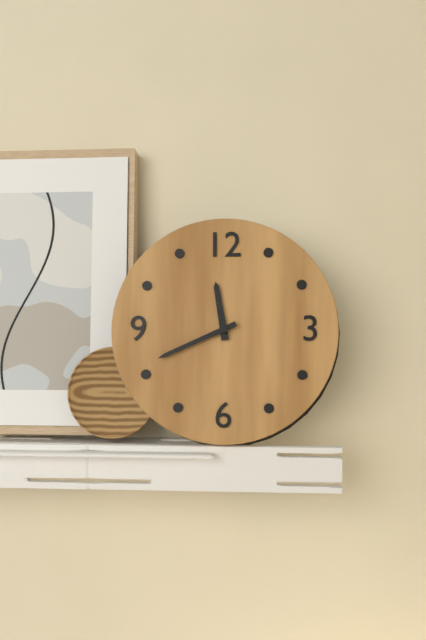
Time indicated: 11:41
